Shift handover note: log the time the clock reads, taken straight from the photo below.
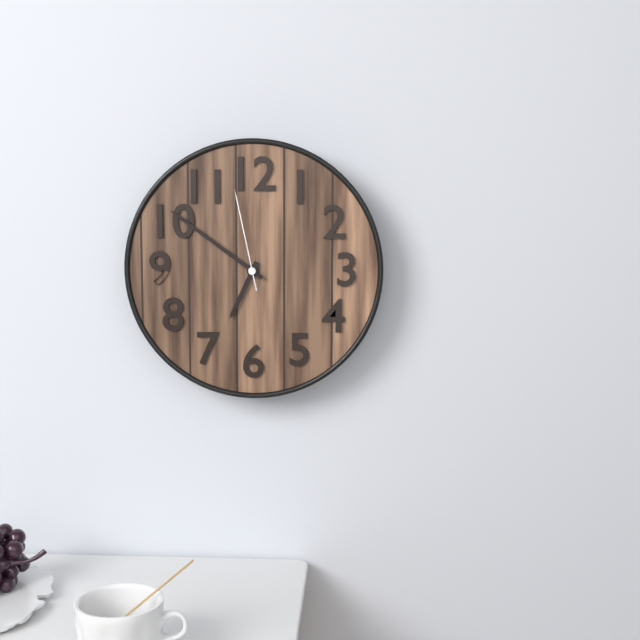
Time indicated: 6:51:58
